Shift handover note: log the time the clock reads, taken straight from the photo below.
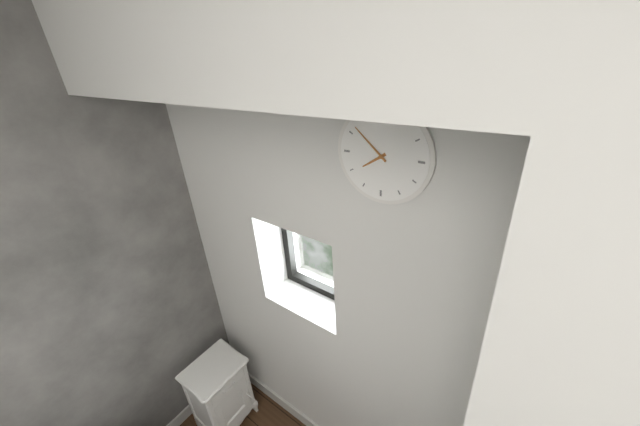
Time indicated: 7:52
